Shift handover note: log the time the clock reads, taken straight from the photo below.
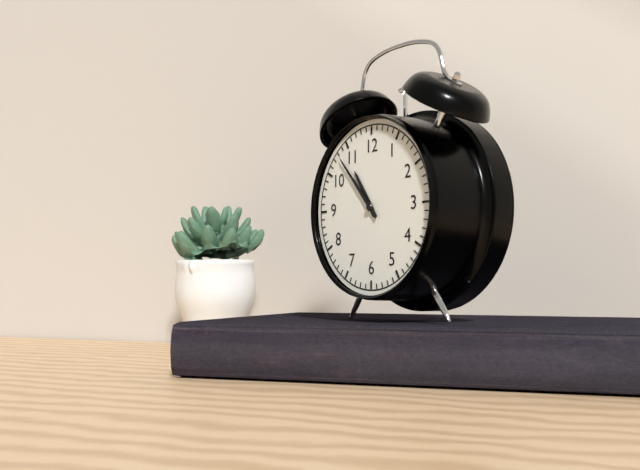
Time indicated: 10:53
